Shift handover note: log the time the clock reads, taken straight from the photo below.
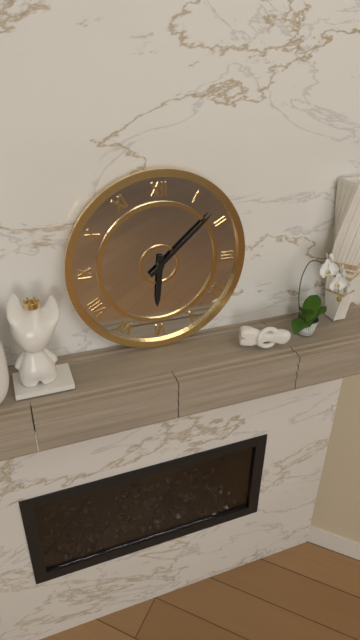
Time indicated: 6:08
